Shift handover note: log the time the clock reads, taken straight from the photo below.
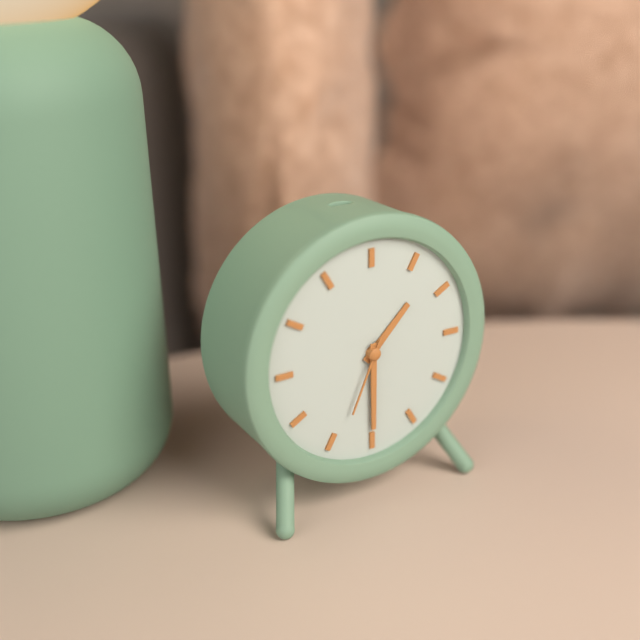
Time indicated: 1:30:34
